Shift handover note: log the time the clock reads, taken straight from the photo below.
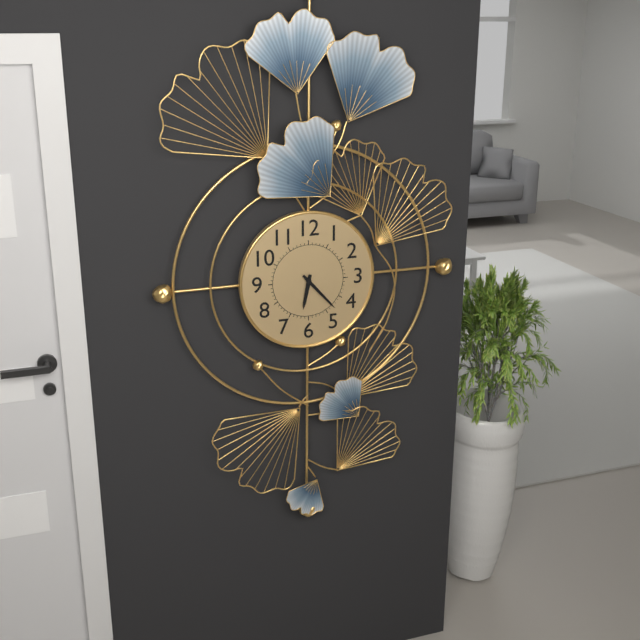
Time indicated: 6:23
